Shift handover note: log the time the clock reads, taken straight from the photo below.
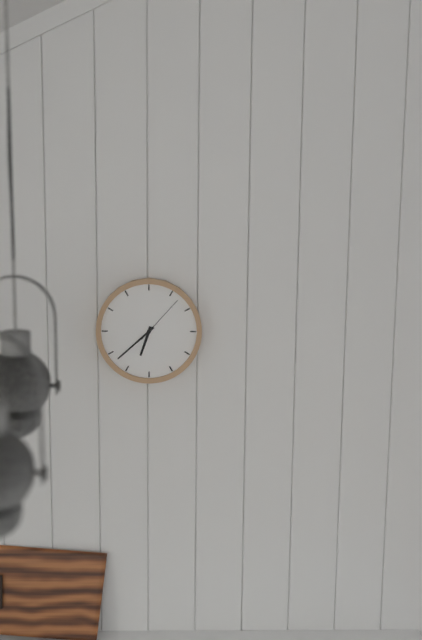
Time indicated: 6:38
